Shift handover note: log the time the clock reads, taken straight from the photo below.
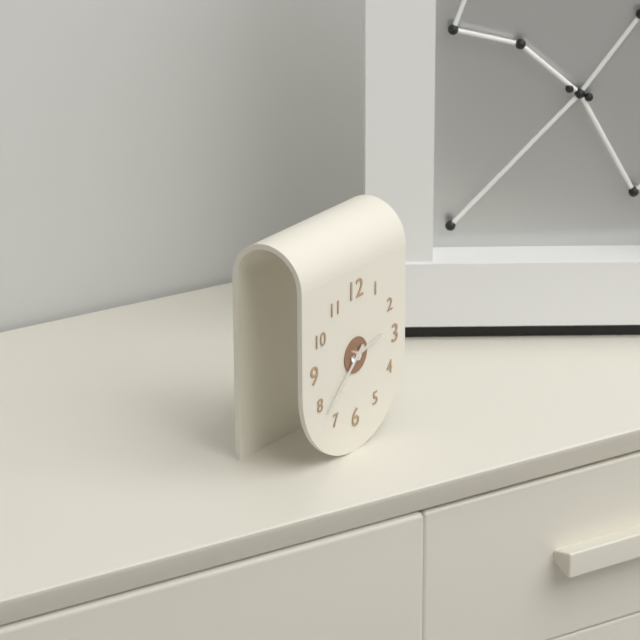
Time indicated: 2:38
